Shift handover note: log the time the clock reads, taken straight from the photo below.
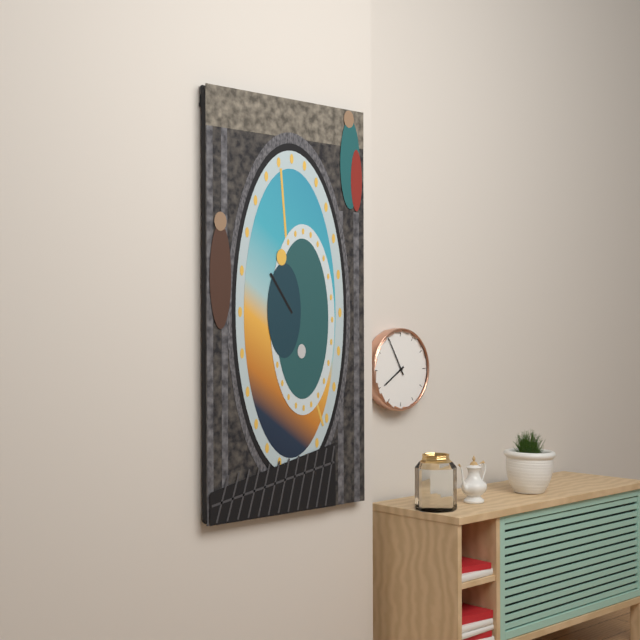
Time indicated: 7:55
